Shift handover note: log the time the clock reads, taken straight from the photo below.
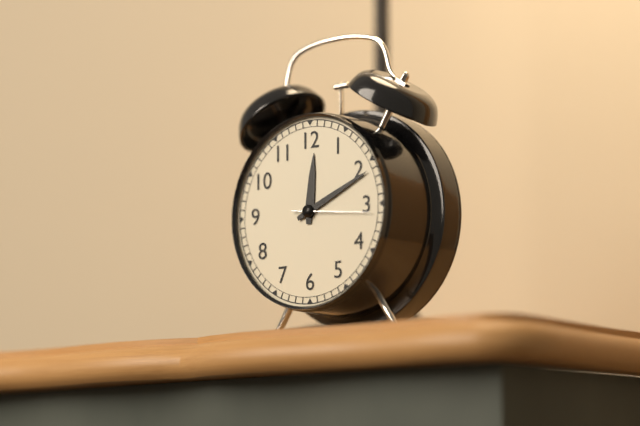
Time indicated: 12:11:16
